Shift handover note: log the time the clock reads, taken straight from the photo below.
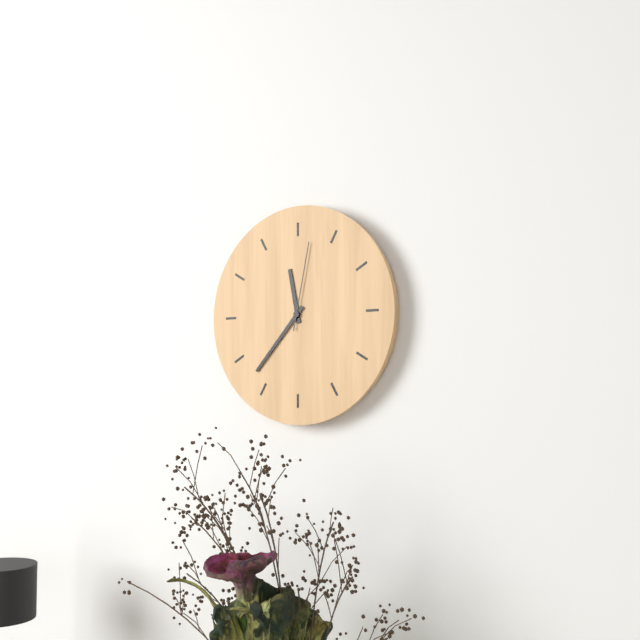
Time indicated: 11:37:02
